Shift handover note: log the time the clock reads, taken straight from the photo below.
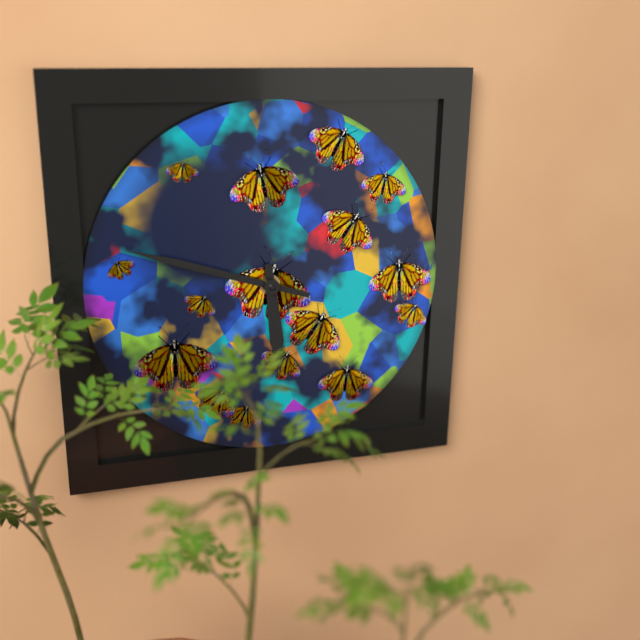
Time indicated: 5:48
